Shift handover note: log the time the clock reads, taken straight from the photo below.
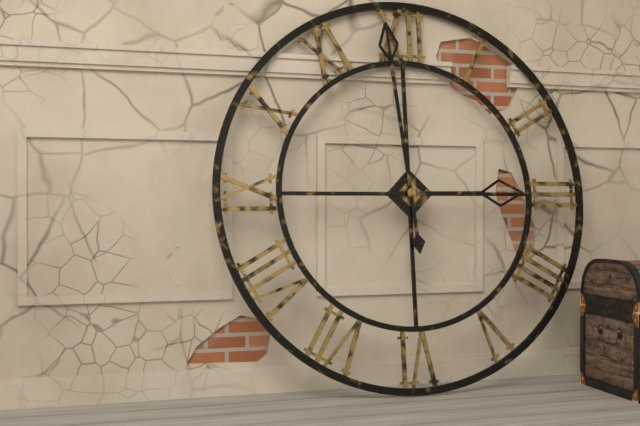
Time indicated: 2:59
